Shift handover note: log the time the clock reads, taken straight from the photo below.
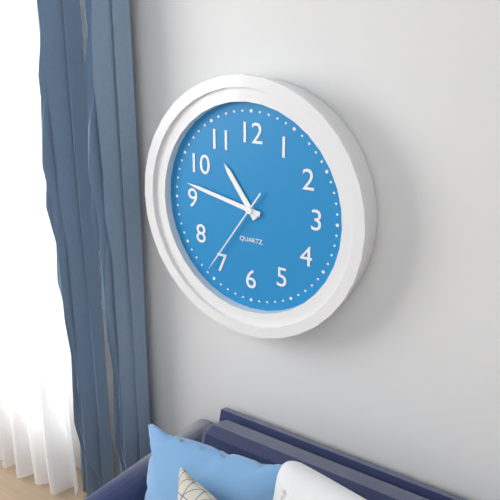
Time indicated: 10:47:36
